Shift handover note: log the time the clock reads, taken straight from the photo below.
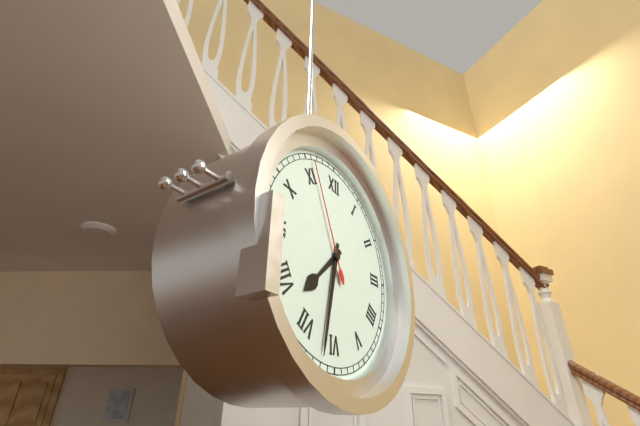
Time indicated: 7:32:56
